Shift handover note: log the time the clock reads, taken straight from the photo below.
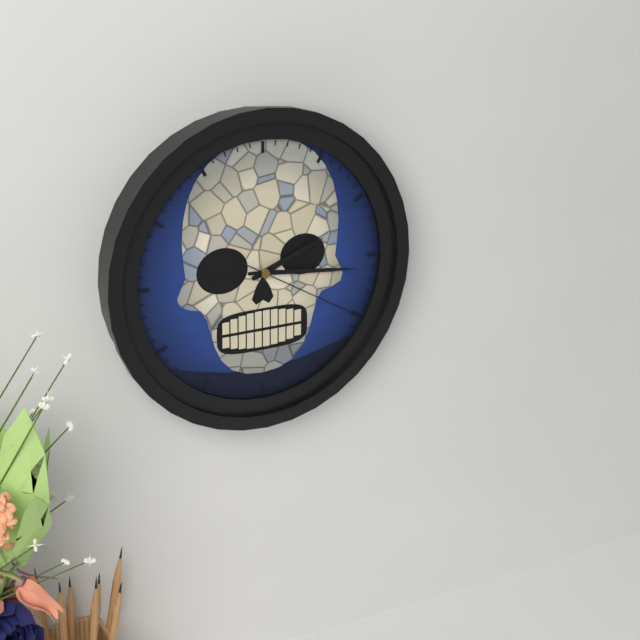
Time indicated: 2:16:20
